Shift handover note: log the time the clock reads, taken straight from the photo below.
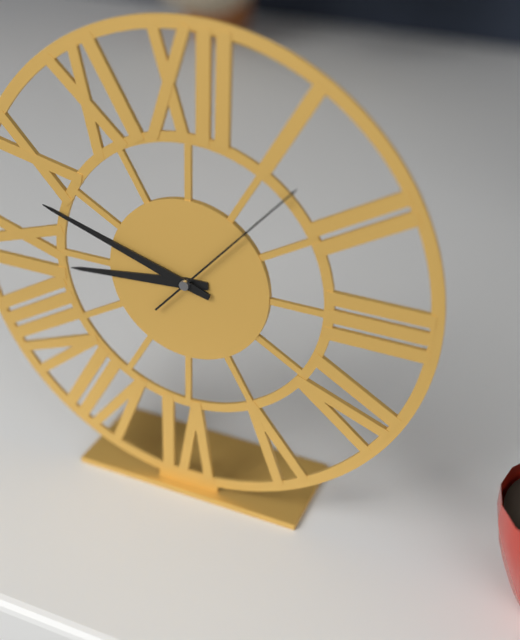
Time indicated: 8:48:07
